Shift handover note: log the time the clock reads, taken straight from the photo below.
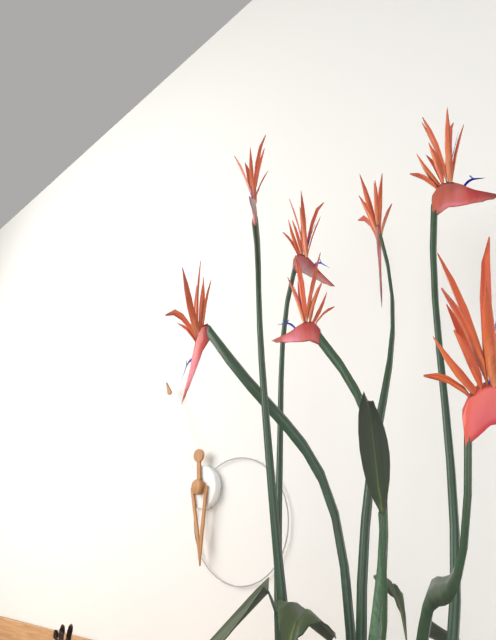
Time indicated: 5:56
